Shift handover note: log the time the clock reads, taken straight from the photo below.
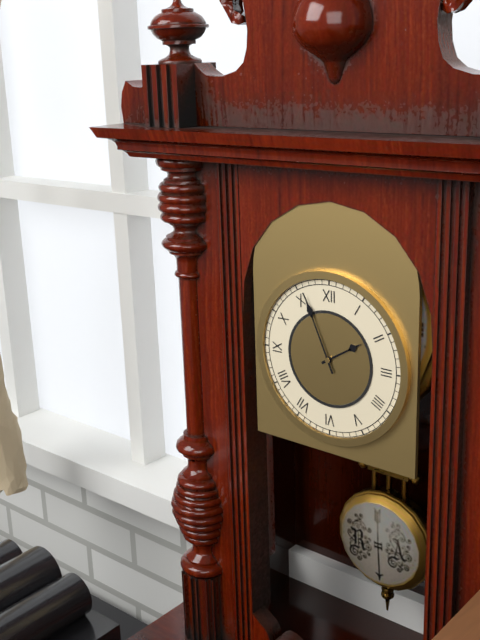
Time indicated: 1:56
